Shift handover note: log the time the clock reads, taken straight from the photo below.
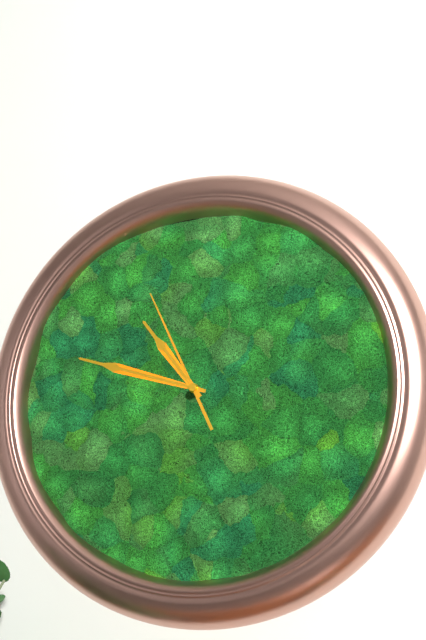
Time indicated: 10:48:56
